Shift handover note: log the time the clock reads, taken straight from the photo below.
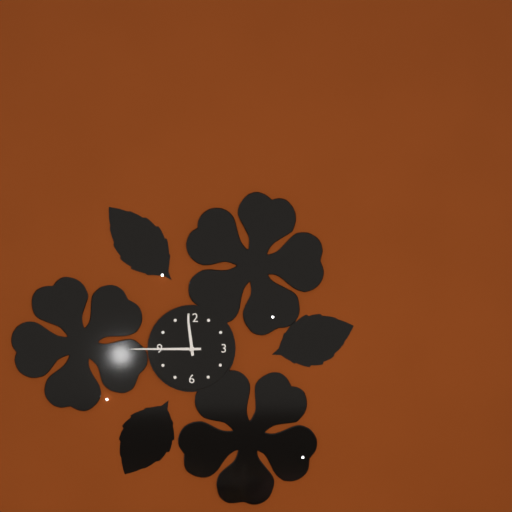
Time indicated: 11:45
